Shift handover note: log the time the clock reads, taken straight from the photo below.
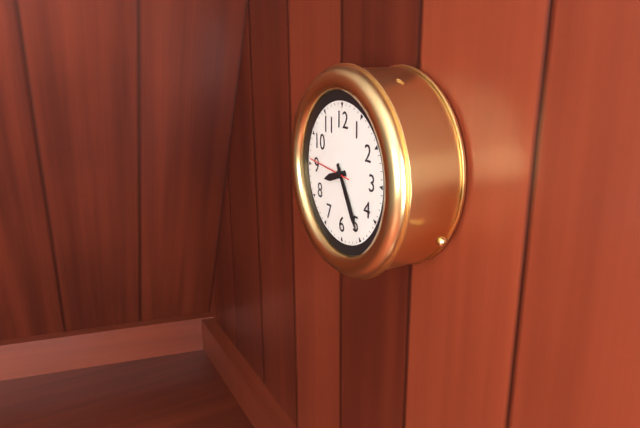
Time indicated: 8:25
